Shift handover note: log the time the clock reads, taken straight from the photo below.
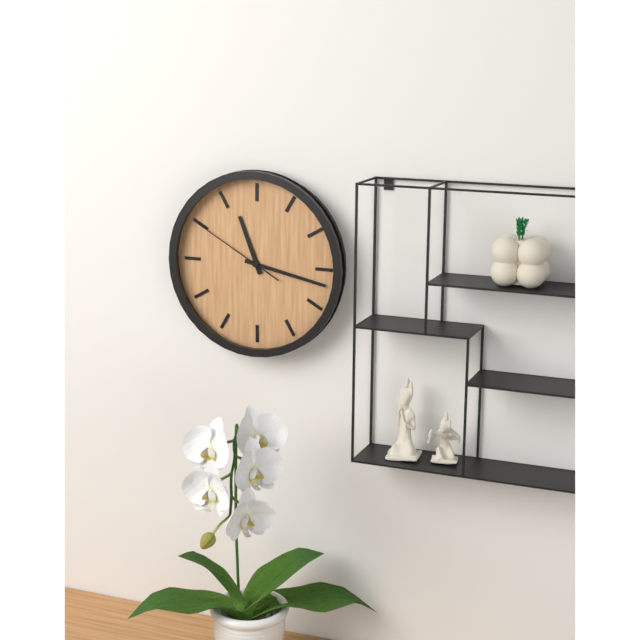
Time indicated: 11:17:50
